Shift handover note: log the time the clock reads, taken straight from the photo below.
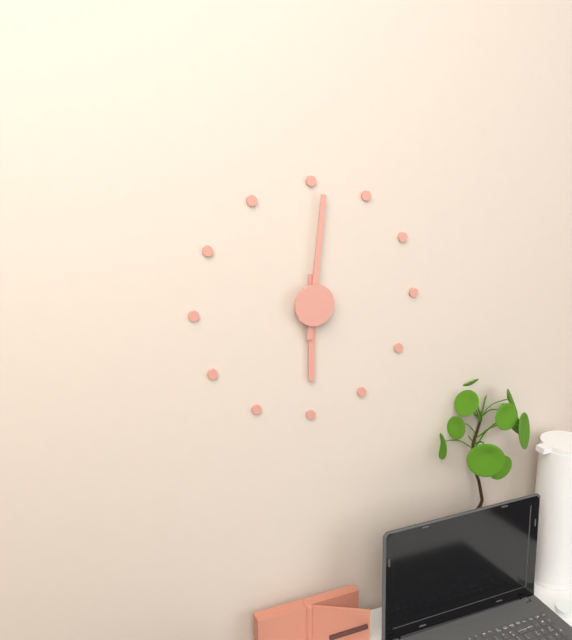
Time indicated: 6:01
